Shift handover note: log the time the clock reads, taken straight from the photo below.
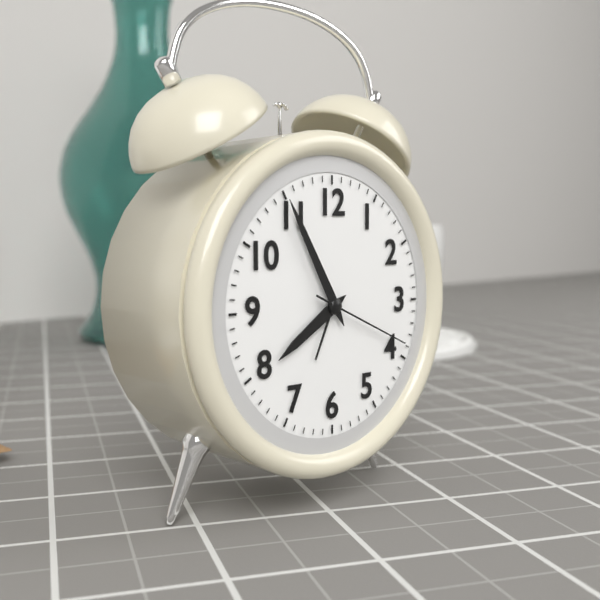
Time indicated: 7:55:19
